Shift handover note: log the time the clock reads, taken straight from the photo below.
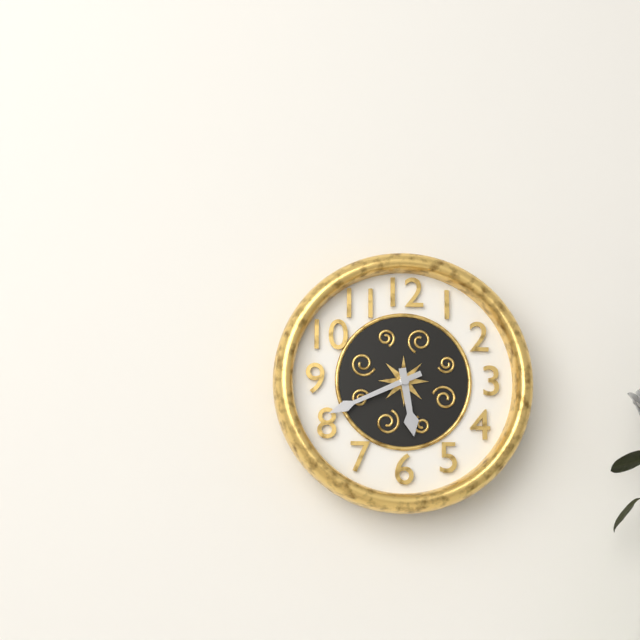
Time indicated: 5:41
